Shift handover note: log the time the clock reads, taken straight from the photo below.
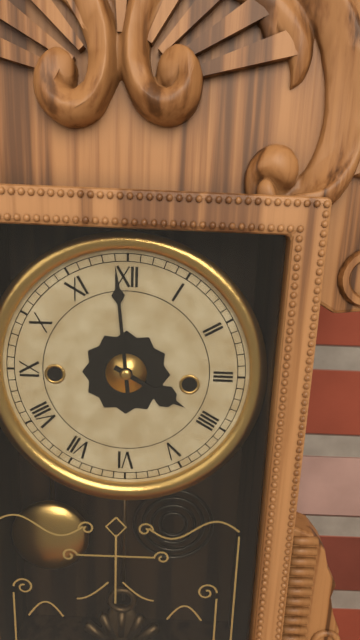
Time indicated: 3:59
